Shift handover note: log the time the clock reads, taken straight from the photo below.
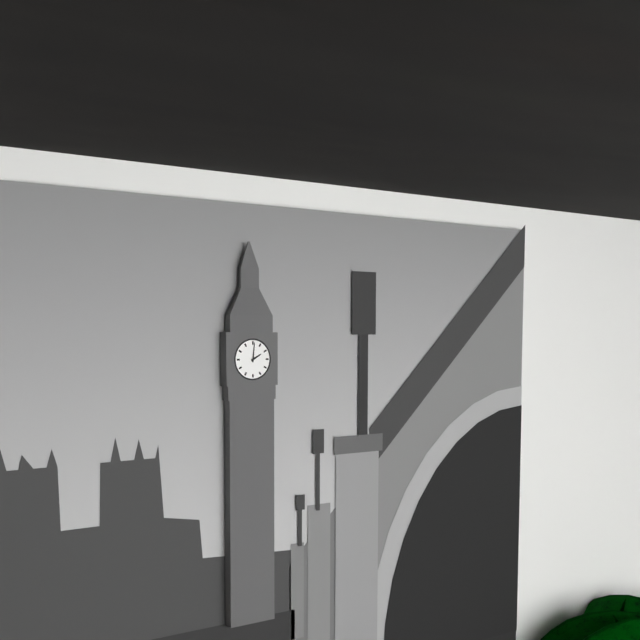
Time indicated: 2:01
